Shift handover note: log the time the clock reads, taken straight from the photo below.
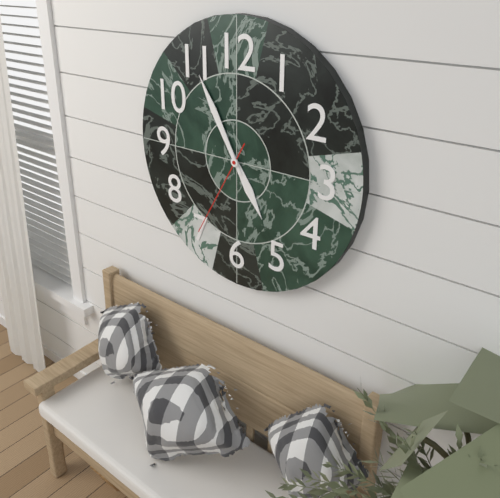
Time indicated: 4:55:35
